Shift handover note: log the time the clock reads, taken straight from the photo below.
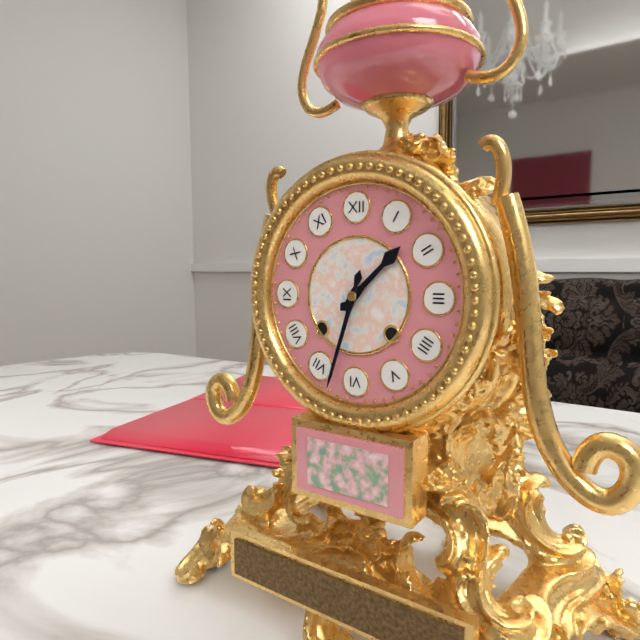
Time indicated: 1:33
